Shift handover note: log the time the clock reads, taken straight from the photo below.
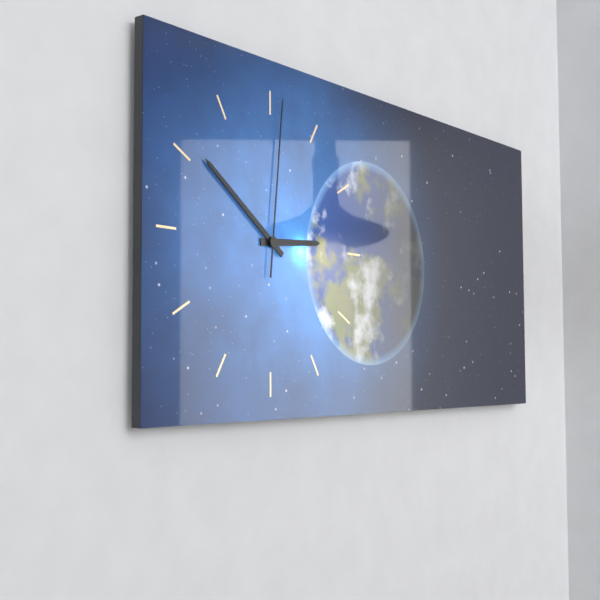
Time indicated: 2:51:01
